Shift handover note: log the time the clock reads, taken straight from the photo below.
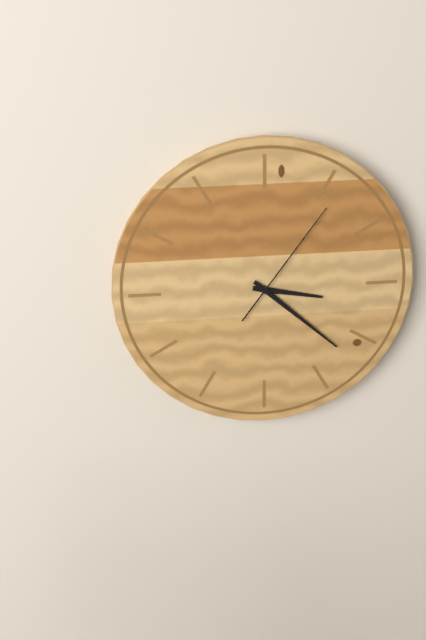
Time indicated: 3:22:06
